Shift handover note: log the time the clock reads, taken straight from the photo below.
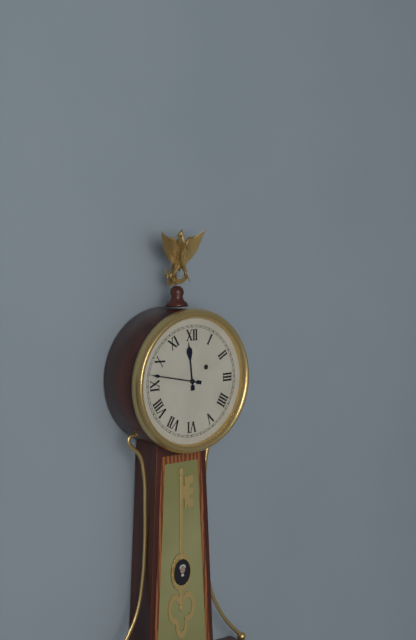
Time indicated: 11:47
